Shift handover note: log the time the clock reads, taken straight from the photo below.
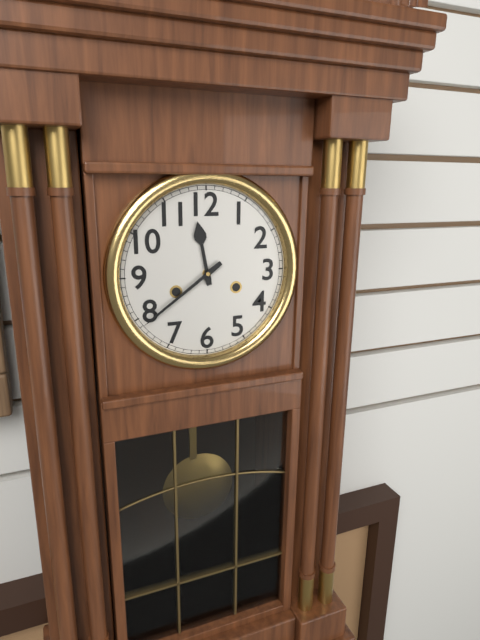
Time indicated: 11:39
